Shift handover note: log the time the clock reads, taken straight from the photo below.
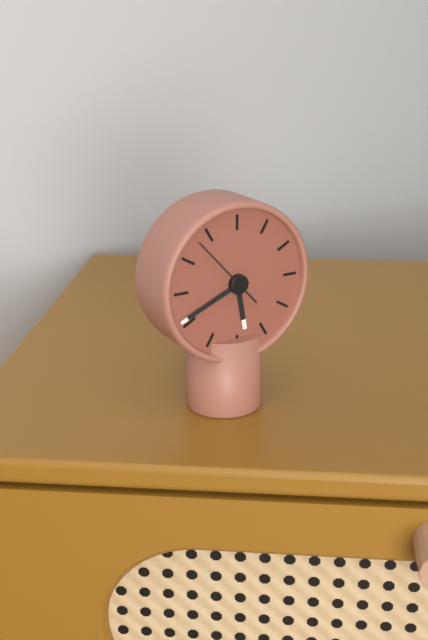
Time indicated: 5:41:53
